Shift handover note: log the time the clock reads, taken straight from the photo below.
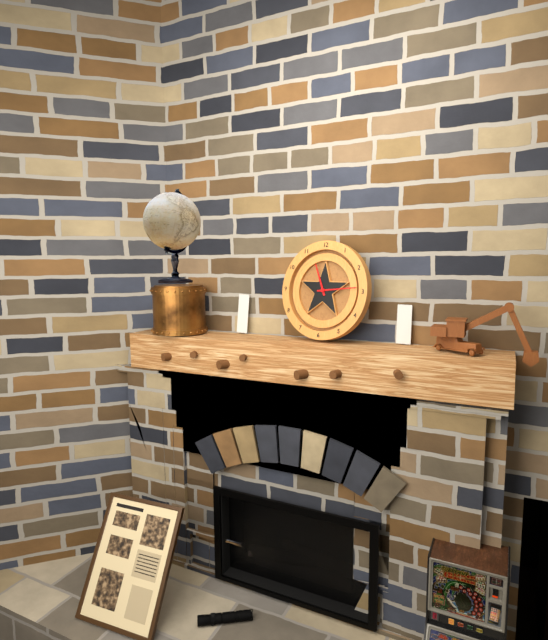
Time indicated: 11:14
